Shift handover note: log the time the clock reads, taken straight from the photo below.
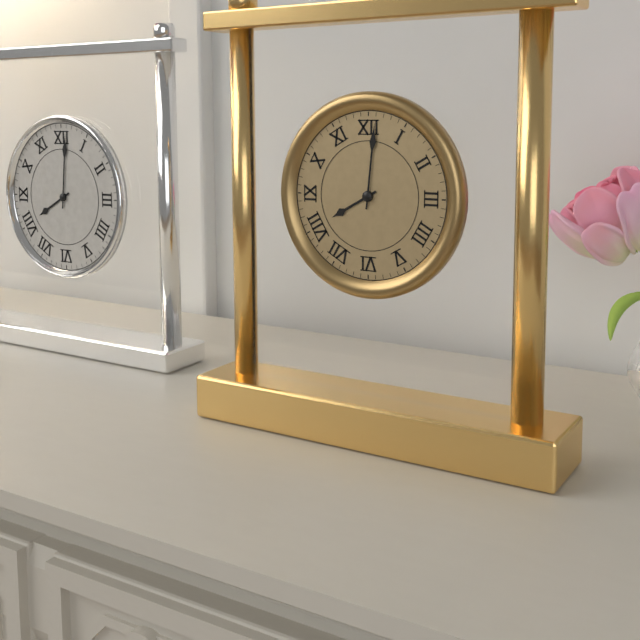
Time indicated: 8:01
